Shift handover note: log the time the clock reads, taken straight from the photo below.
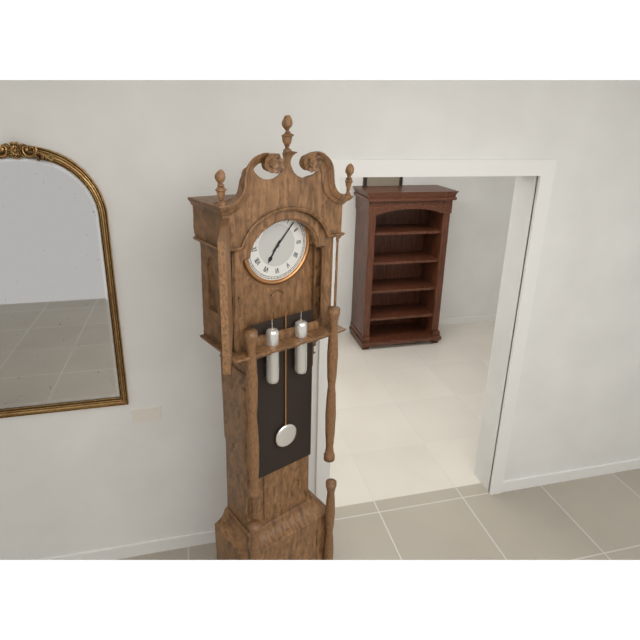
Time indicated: 7:07
